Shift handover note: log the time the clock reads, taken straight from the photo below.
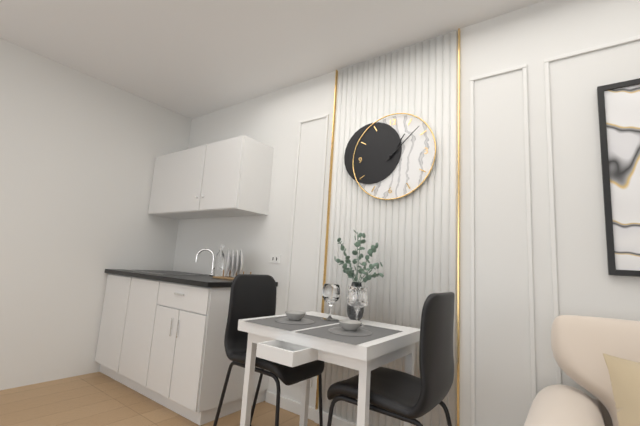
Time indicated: 1:08
